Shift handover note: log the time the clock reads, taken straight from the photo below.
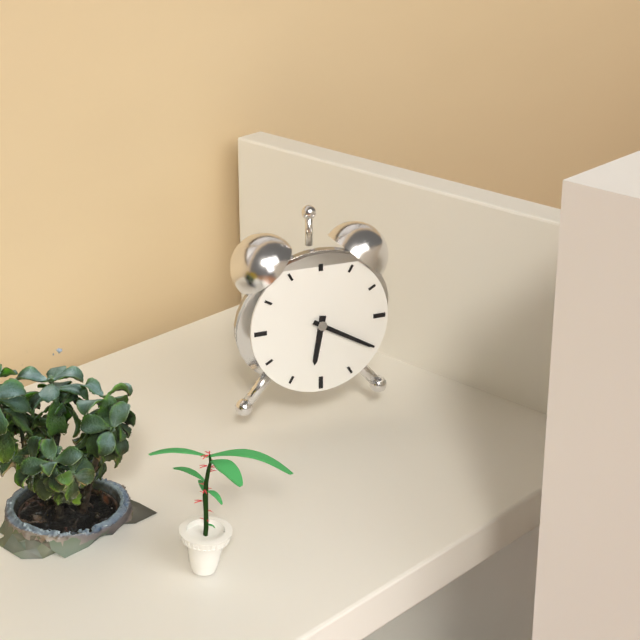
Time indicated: 6:20
